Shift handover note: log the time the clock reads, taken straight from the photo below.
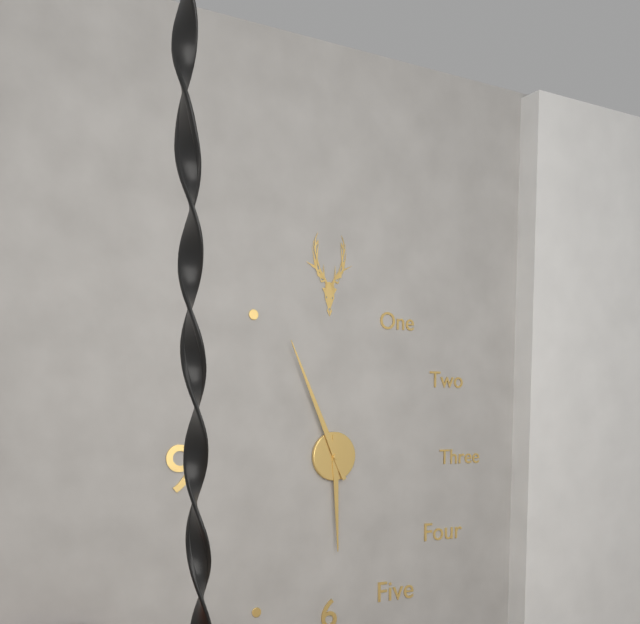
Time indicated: 5:56
